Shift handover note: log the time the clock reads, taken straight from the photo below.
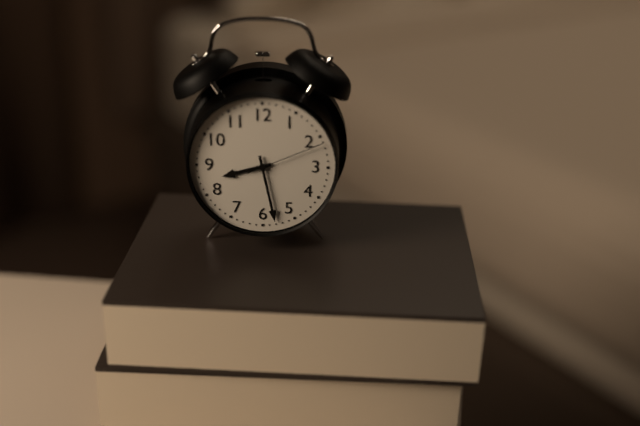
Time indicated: 8:28:11
